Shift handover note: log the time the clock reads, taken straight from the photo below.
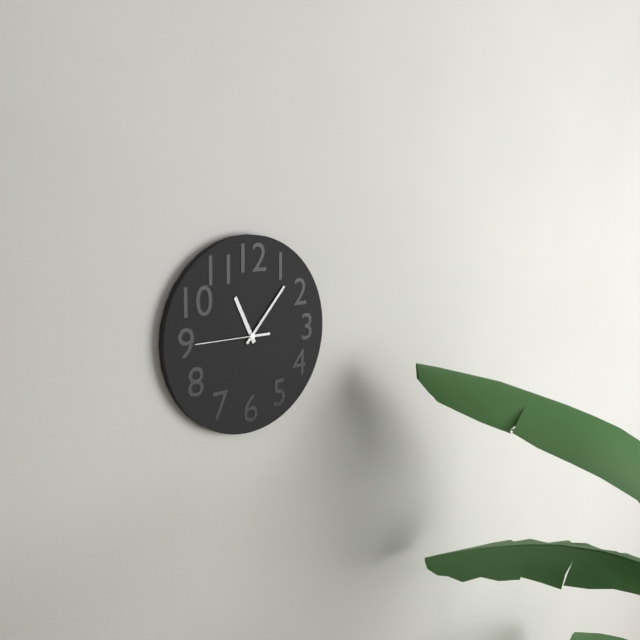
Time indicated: 11:07:45
